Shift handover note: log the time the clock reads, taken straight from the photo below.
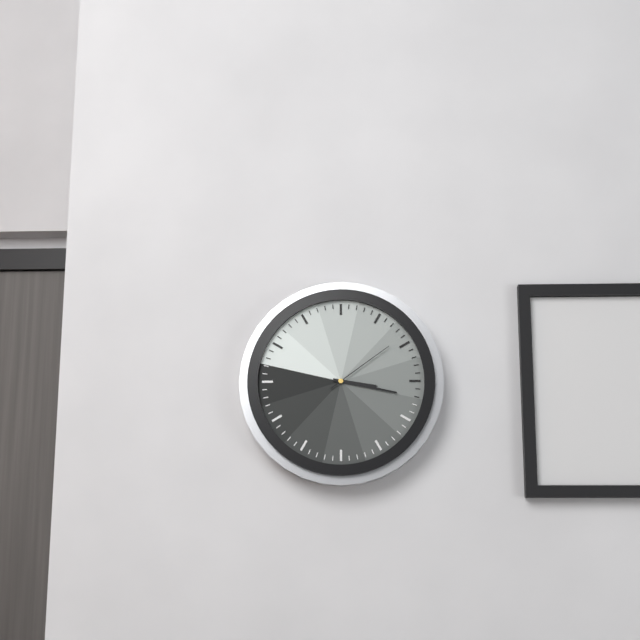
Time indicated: 3:17:09
